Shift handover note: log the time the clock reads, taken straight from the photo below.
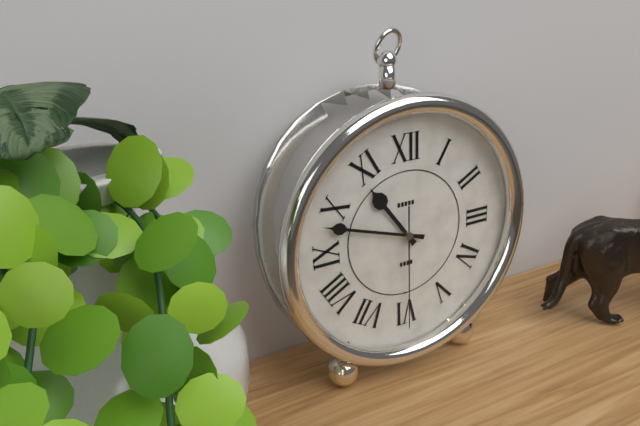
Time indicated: 10:48:30
